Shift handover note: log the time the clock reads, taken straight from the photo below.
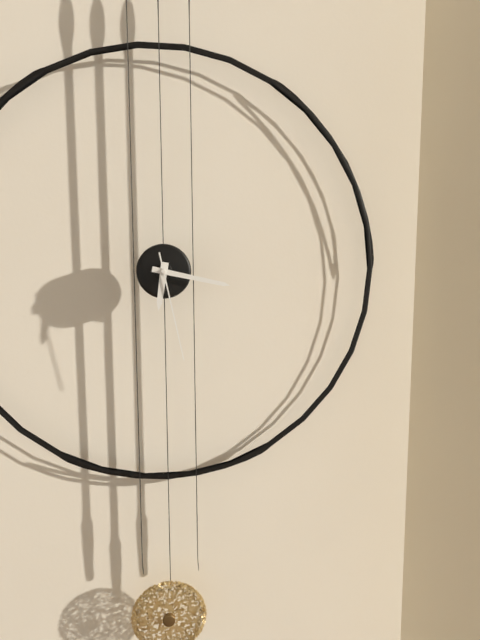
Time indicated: 6:17:28
